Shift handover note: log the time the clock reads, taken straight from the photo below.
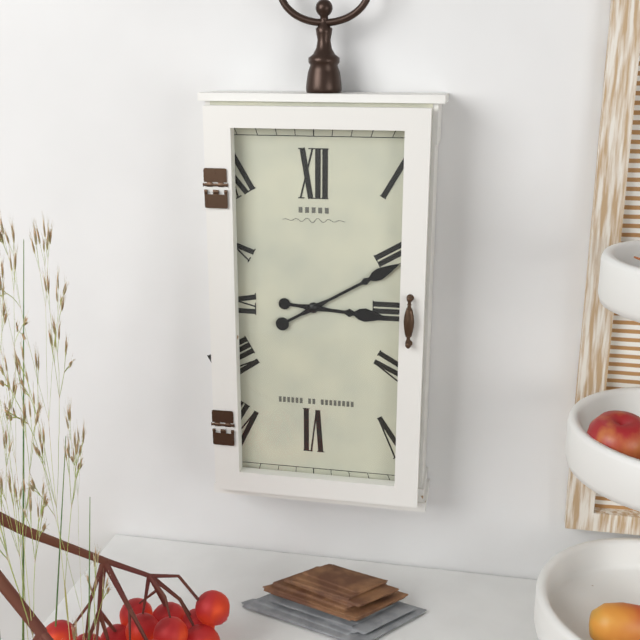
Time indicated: 3:10
